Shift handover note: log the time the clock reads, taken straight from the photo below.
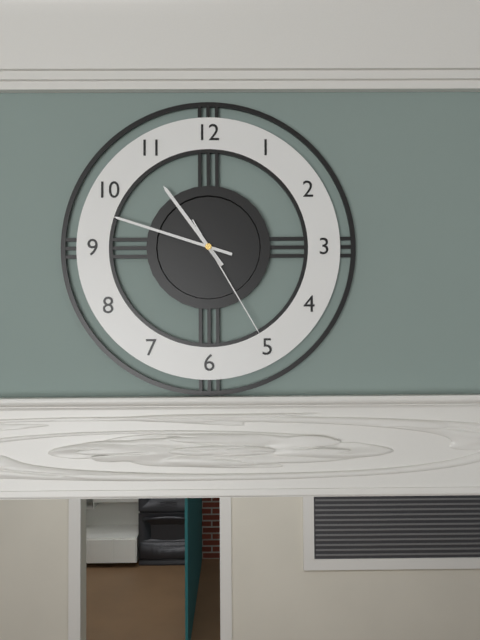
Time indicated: 10:48:25
